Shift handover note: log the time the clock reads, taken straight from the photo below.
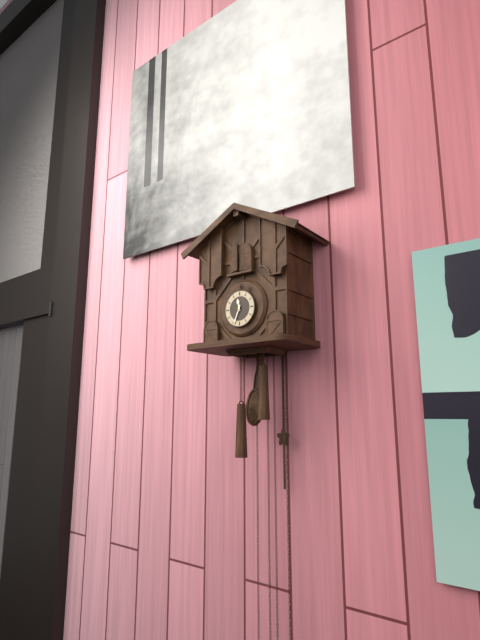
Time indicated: 11:34
